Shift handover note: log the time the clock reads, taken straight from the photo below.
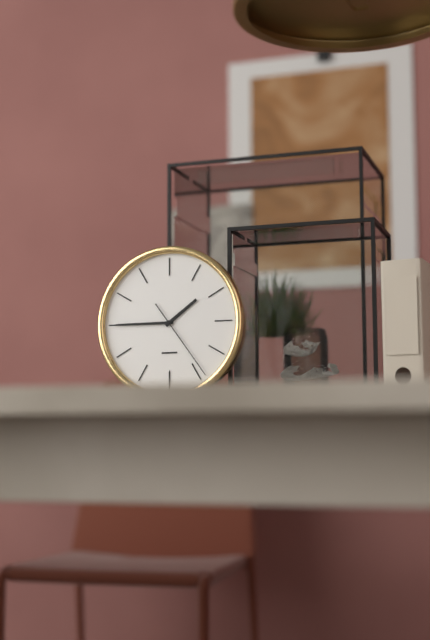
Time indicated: 1:45:24
